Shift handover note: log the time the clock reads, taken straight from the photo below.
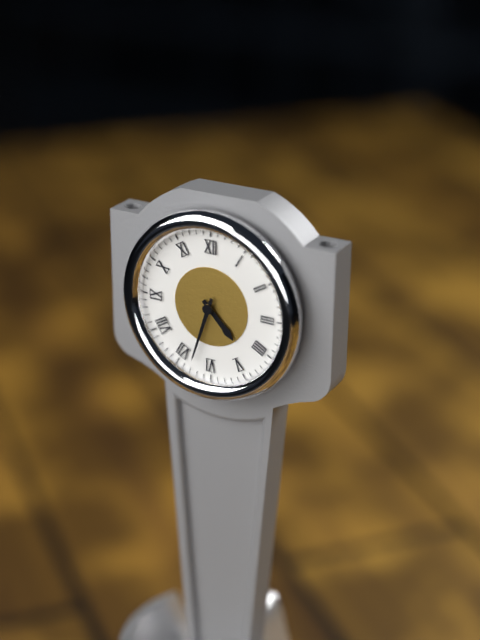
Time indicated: 4:33
